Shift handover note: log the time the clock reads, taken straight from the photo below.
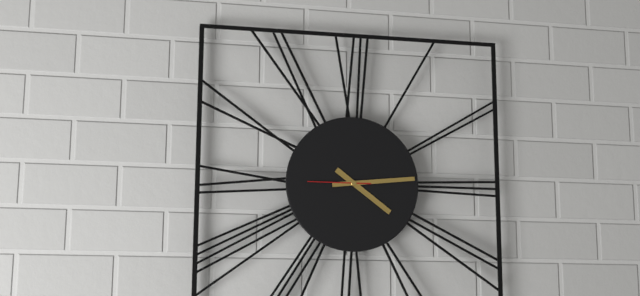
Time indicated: 4:14:45
